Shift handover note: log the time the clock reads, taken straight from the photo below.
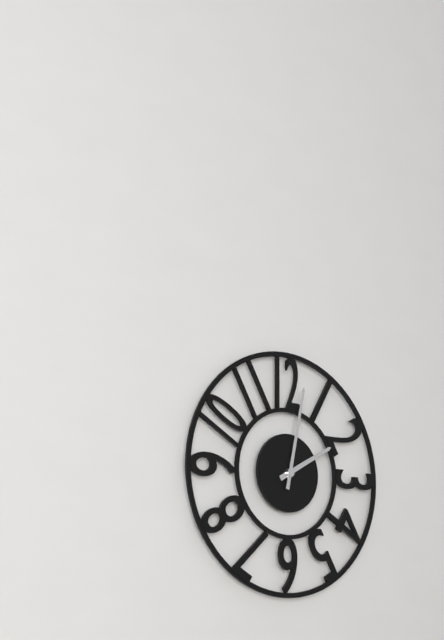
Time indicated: 2:02
